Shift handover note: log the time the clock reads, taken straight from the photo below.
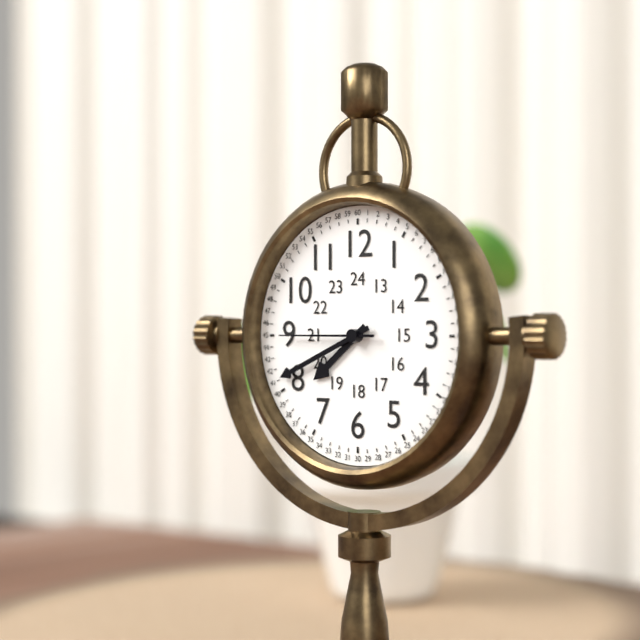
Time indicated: 7:41:45
